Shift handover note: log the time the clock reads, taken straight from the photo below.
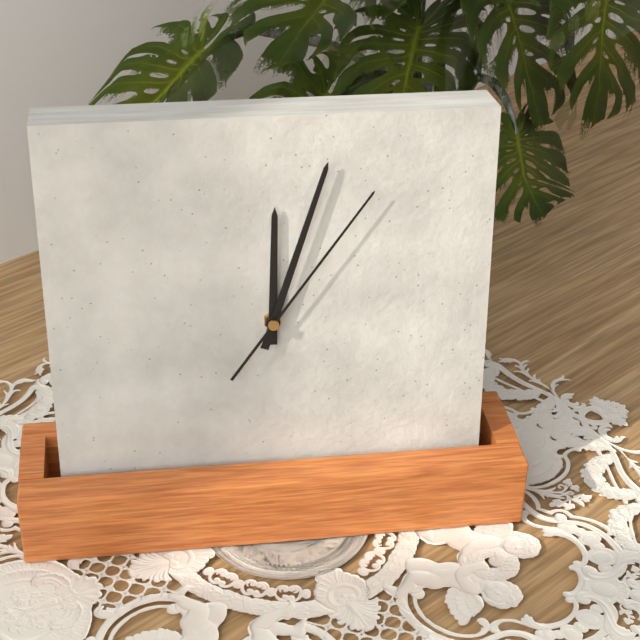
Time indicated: 12:03:06
